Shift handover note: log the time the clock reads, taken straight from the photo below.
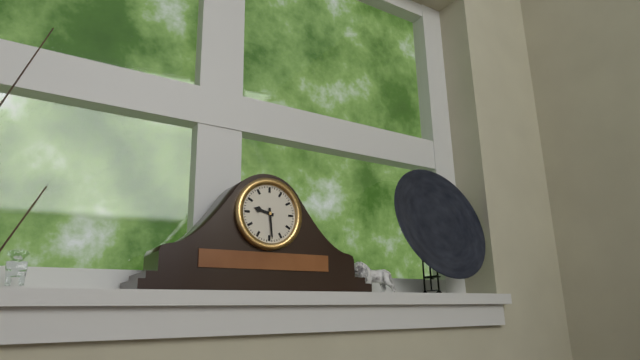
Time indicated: 9:29
